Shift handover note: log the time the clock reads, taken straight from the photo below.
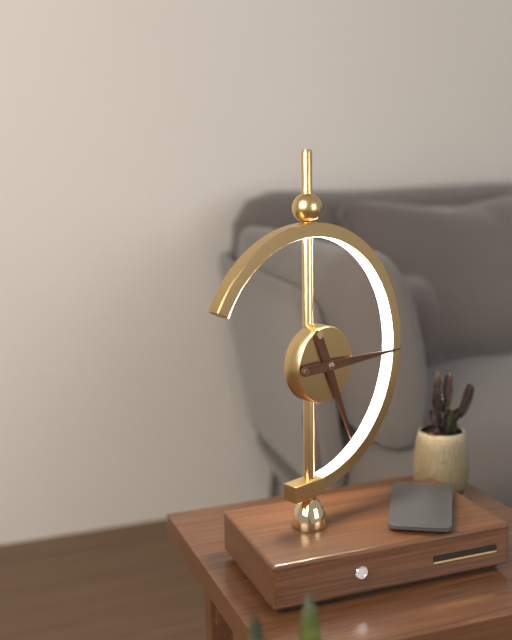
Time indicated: 5:15
